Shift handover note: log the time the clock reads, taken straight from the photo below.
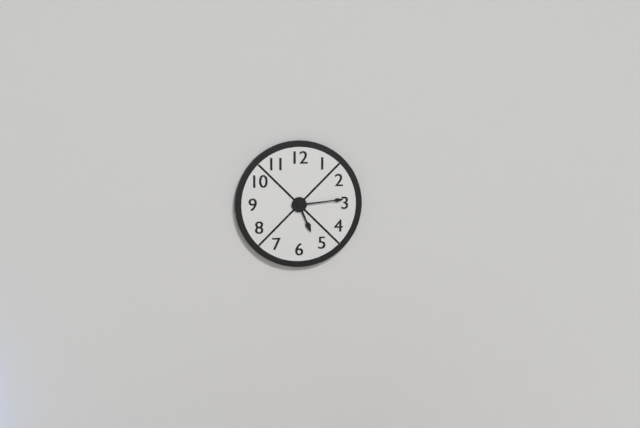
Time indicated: 5:14
